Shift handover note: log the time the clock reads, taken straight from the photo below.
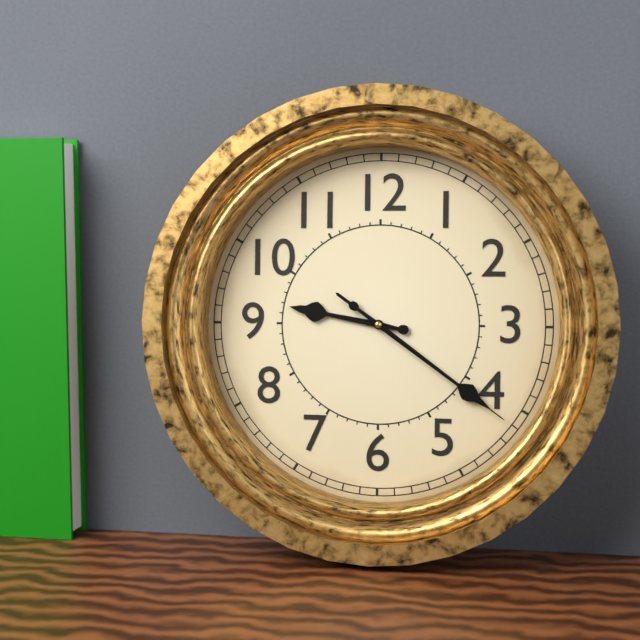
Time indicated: 9:21:21
